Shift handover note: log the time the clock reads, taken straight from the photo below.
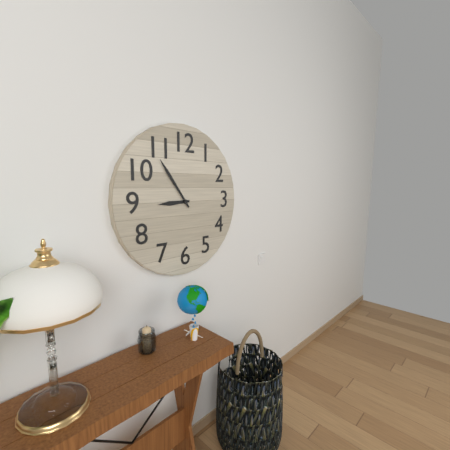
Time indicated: 8:54
